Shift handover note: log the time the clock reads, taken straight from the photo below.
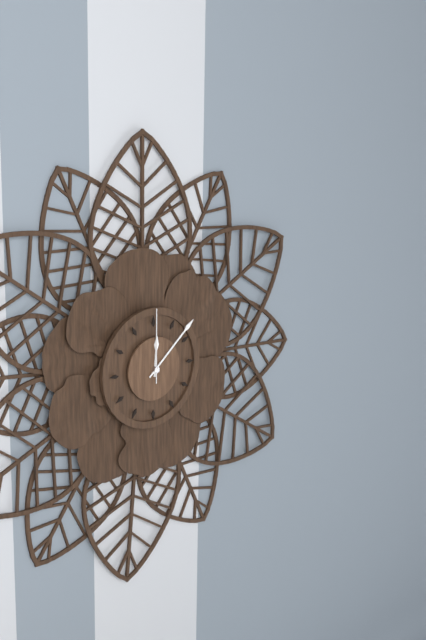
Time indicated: 12:08:00
